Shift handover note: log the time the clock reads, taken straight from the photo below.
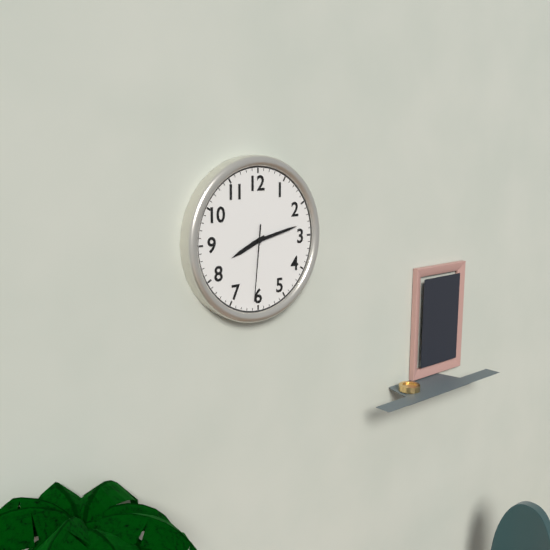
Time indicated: 8:13:31
